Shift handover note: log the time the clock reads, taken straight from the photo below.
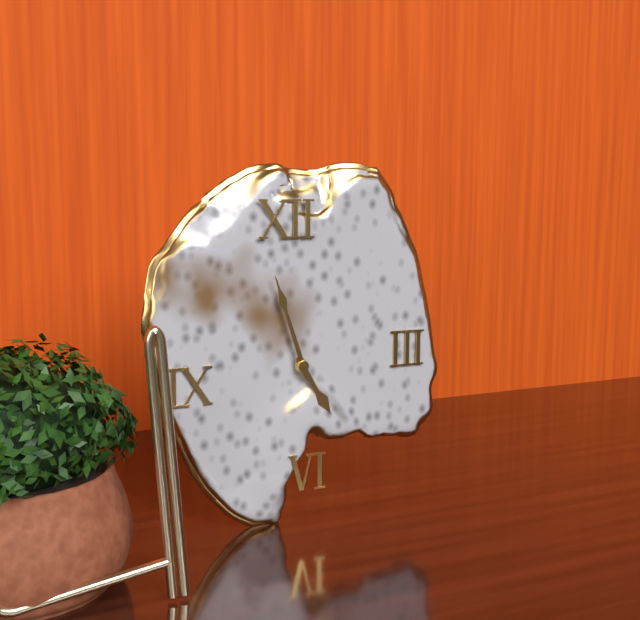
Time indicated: 4:57
